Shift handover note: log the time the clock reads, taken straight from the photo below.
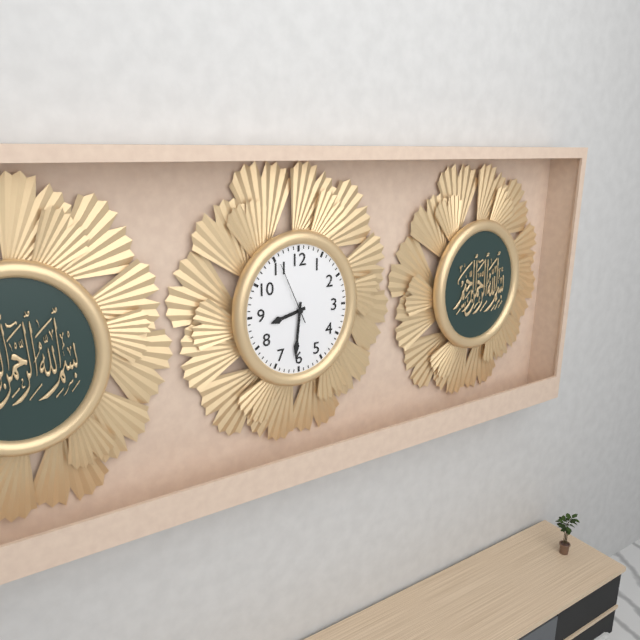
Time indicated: 8:31:56
